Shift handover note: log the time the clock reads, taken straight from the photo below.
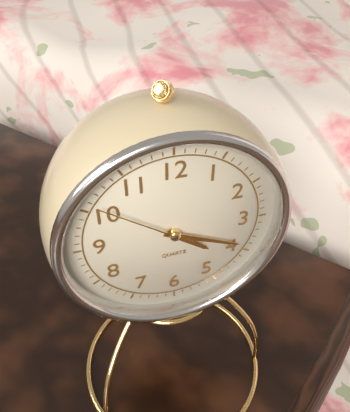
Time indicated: 4:19:51
